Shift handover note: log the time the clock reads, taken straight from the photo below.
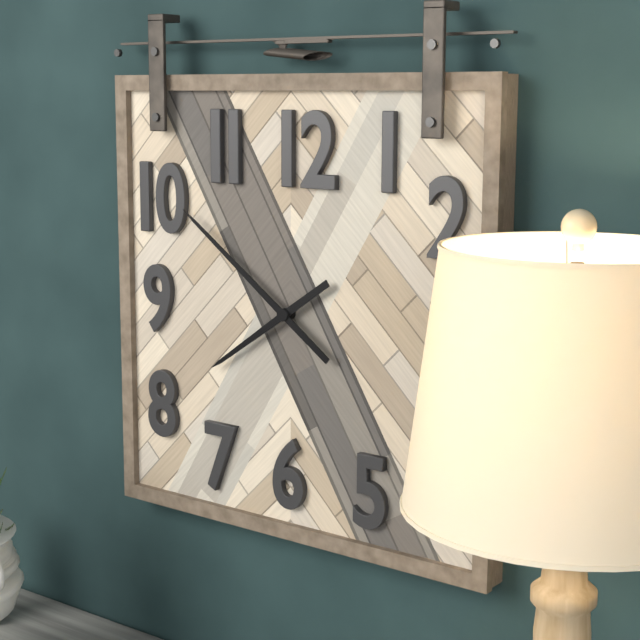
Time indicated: 7:51
